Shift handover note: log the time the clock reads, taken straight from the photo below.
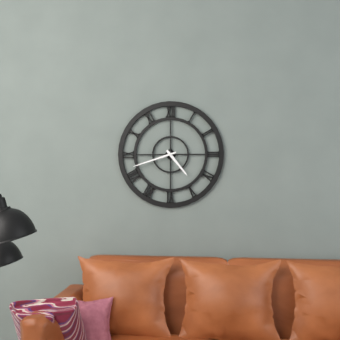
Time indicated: 4:42
